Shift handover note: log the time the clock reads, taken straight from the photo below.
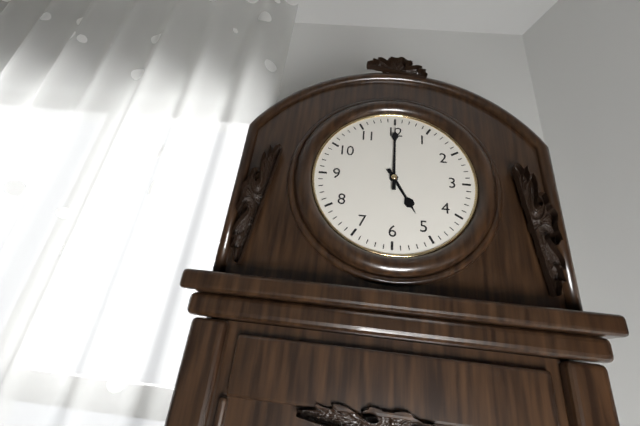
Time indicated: 5:00
